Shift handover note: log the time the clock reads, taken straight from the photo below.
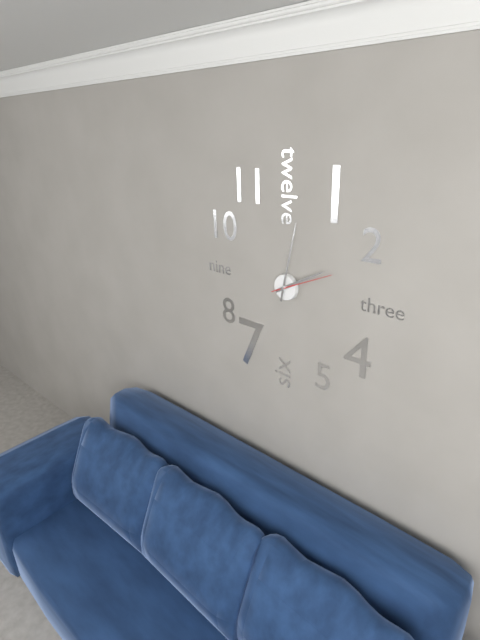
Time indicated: 2:02:11
